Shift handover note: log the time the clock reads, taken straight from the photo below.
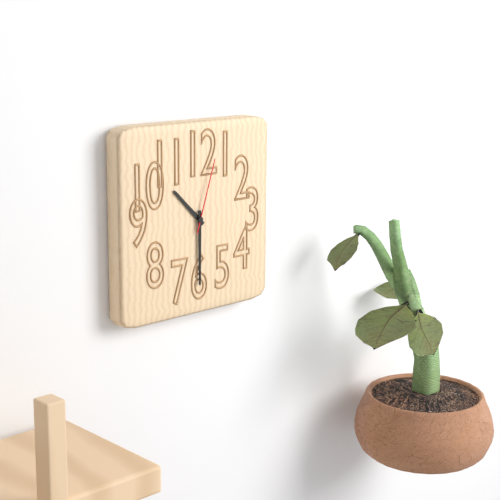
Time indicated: 10:30:03
